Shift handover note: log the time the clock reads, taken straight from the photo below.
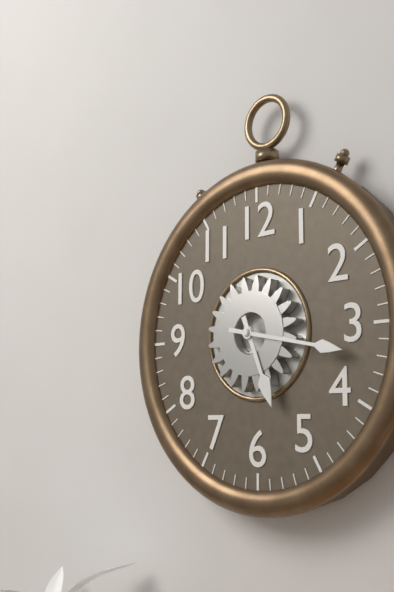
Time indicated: 5:17
